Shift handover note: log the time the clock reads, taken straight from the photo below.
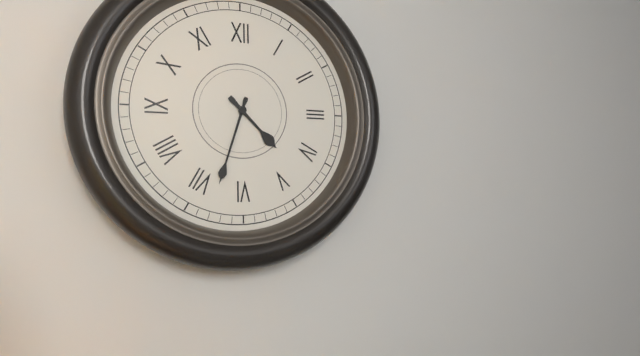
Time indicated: 4:33
